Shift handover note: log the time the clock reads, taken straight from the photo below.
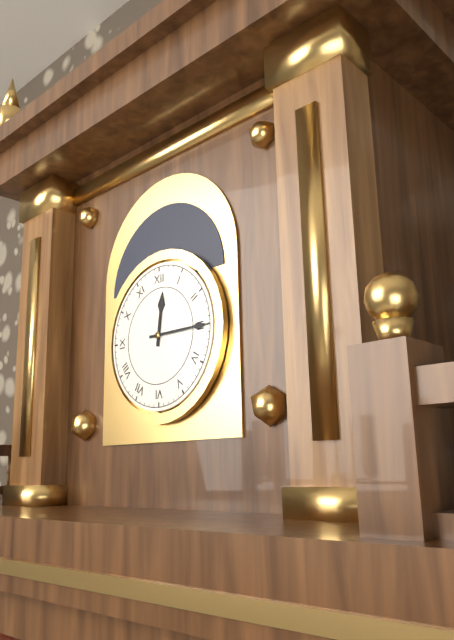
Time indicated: 12:15
